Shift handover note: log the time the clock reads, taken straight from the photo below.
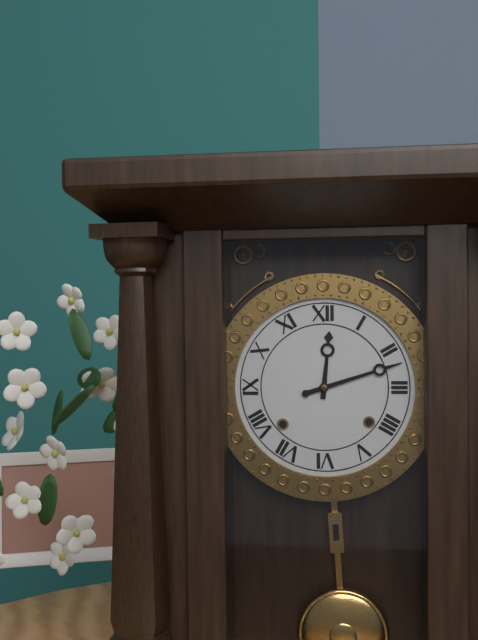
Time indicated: 12:12
